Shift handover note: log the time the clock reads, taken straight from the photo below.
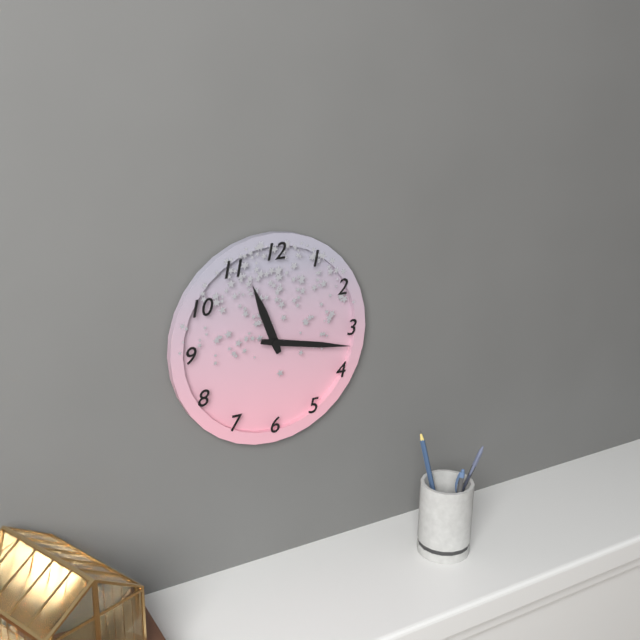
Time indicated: 11:17
